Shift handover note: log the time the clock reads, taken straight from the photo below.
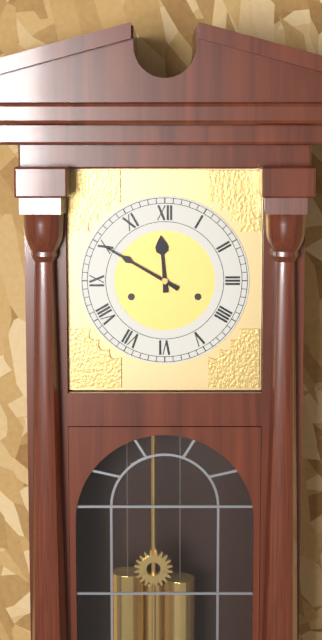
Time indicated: 11:50
